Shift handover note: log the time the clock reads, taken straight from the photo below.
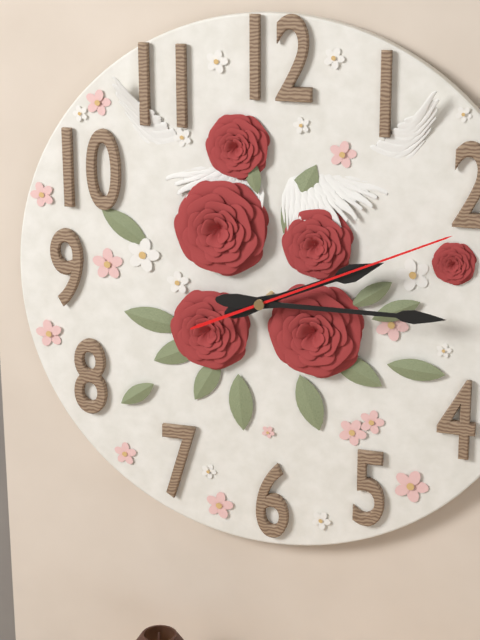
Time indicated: 2:15:11
